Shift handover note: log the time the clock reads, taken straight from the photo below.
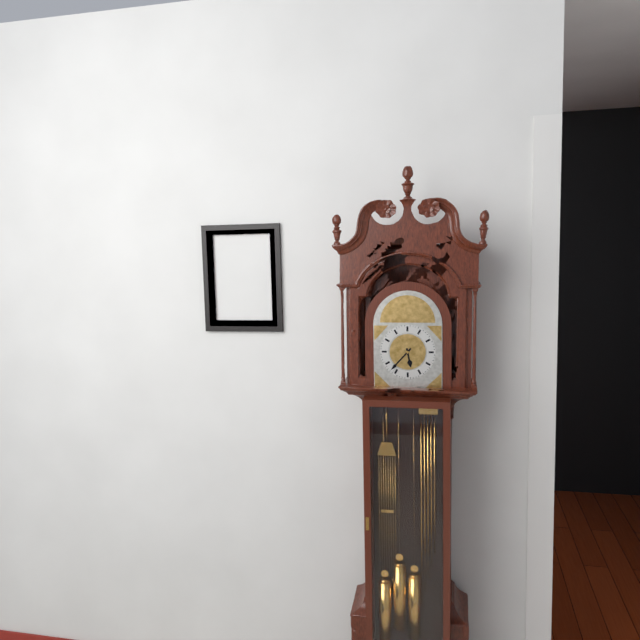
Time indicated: 5:37
